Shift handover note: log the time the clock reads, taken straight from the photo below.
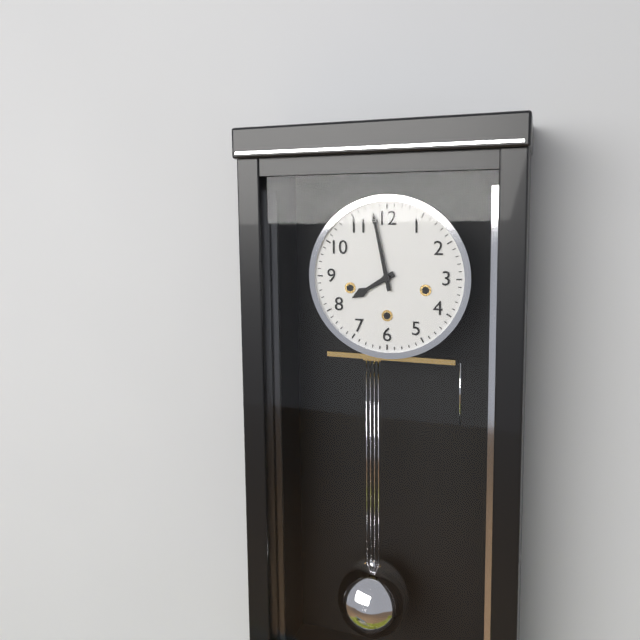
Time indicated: 7:58
